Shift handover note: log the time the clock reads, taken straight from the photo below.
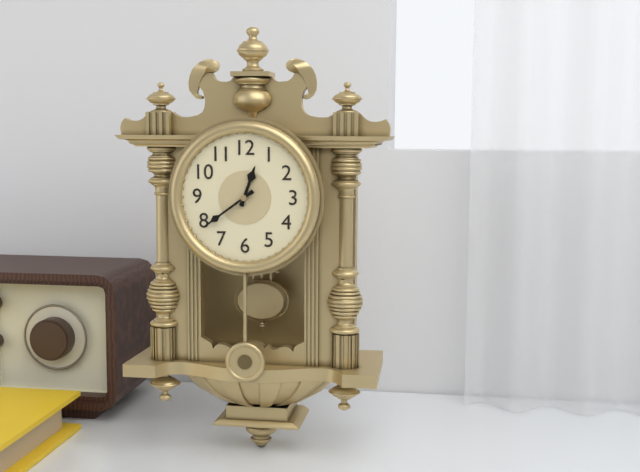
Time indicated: 12:39
